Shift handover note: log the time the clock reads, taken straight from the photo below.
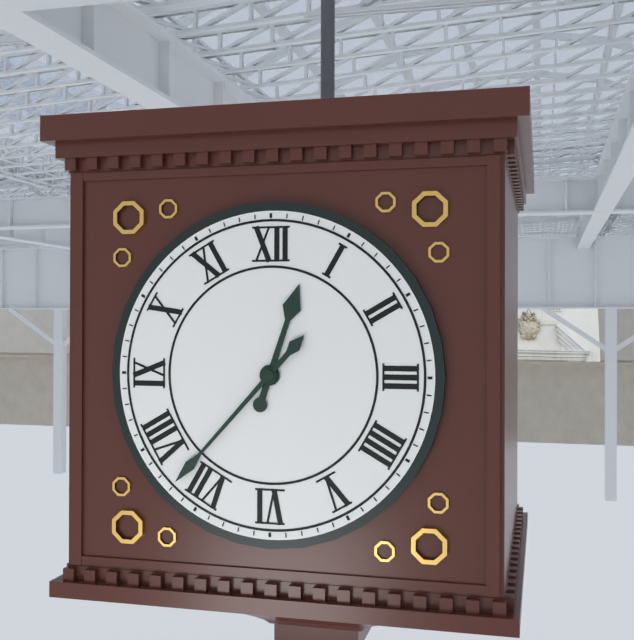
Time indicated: 12:37
